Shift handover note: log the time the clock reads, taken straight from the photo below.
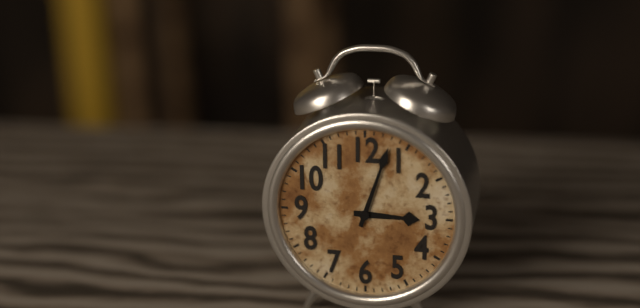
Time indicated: 3:03
